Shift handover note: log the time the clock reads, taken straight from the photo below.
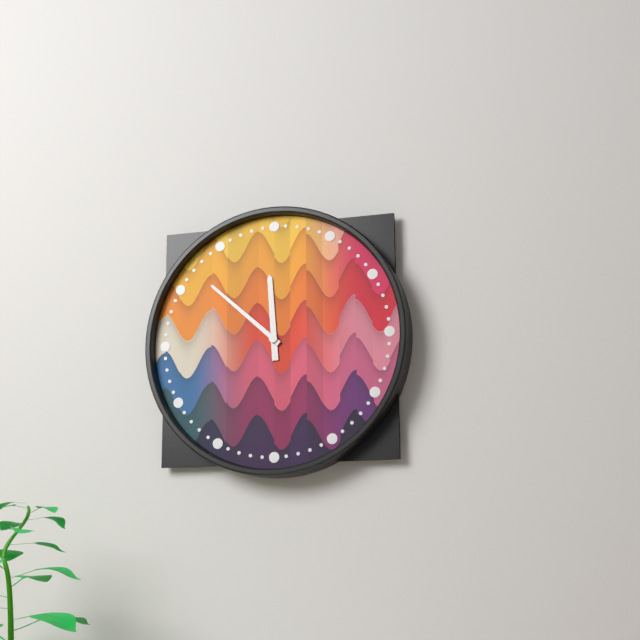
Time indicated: 11:52
